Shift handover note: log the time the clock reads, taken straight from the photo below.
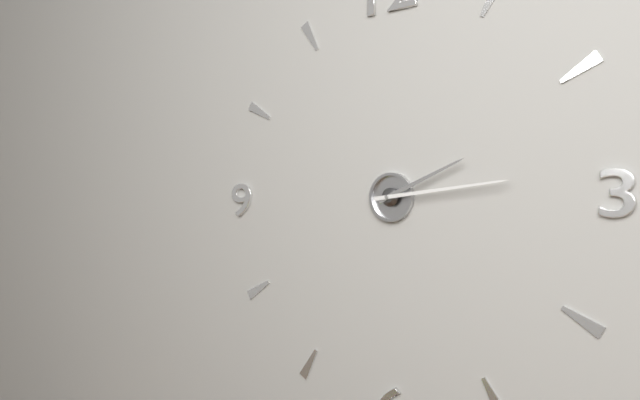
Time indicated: 2:14
